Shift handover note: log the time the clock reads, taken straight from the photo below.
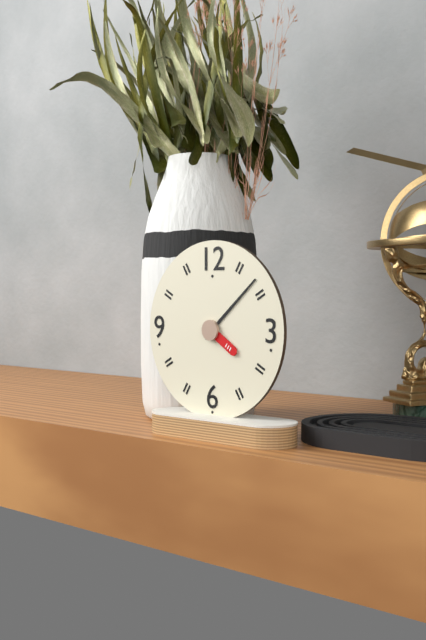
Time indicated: 4:08
